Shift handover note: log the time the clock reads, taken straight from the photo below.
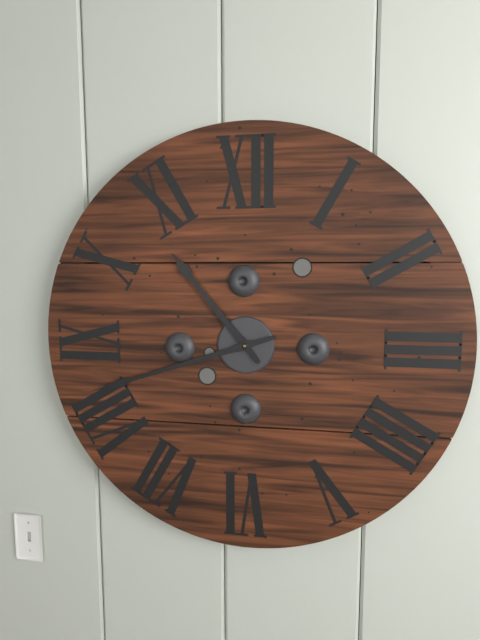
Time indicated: 10:42
